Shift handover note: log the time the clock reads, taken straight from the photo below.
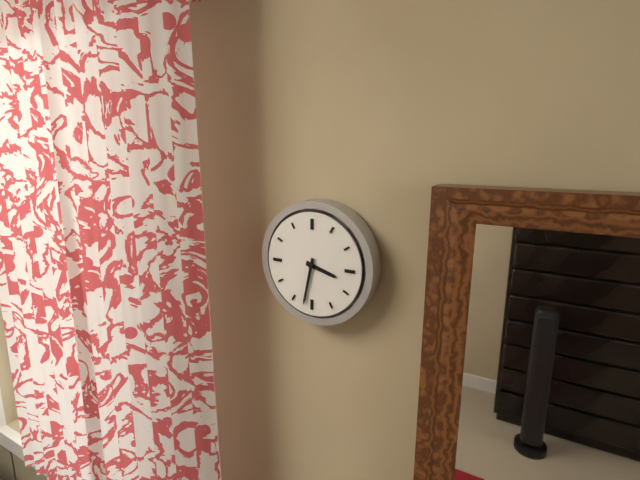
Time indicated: 3:32
